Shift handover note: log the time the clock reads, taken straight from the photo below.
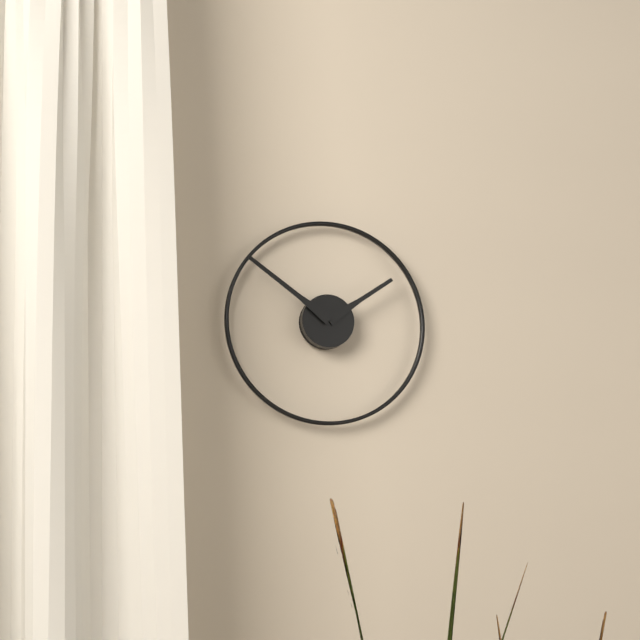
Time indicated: 1:51
